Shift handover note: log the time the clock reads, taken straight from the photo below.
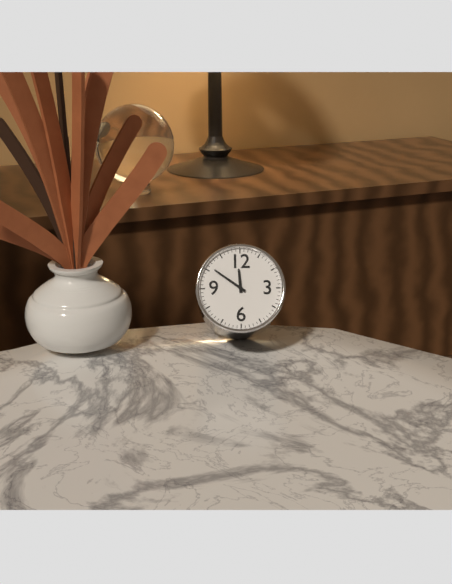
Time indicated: 11:51
